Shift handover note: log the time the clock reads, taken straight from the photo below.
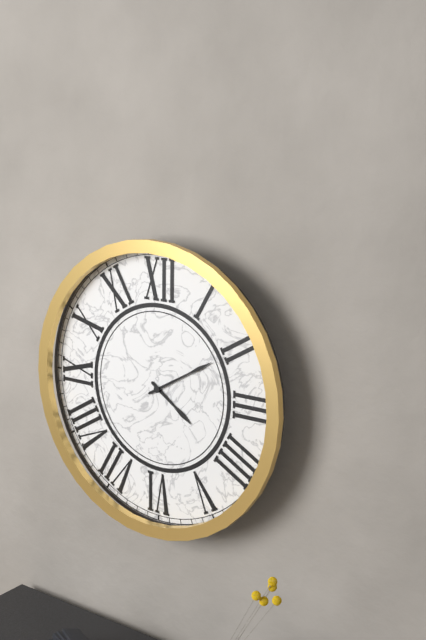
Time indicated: 4:10
